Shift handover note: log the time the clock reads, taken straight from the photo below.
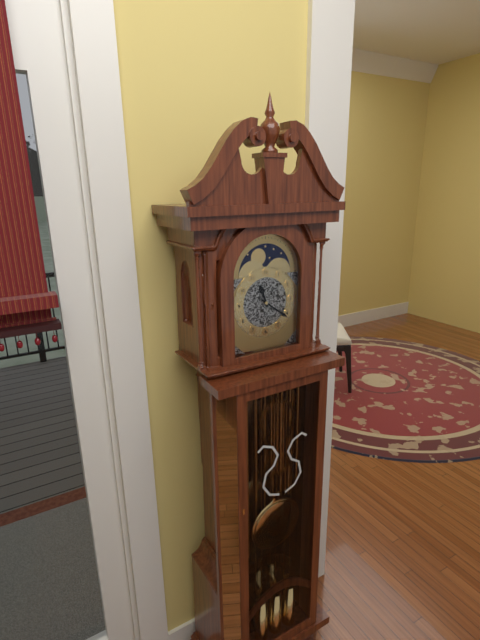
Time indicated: 11:21
